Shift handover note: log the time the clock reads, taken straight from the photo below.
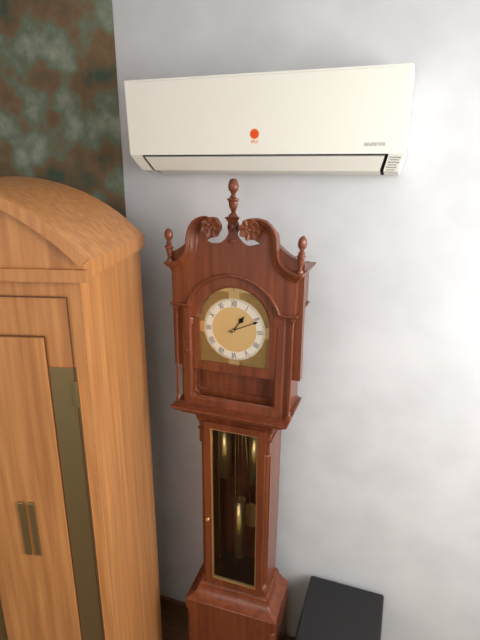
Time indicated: 1:11
